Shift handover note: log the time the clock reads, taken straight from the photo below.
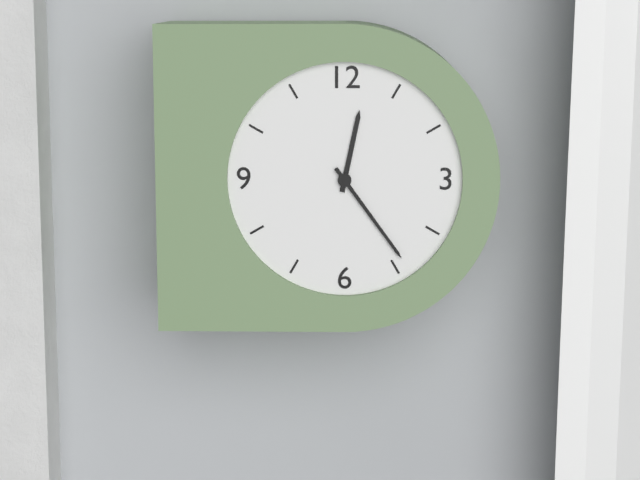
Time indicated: 12:24
